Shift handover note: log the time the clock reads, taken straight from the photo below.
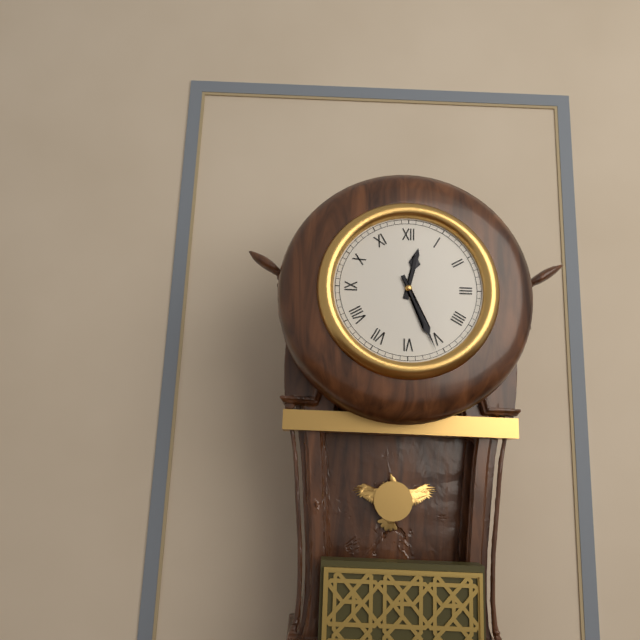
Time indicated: 12:26
